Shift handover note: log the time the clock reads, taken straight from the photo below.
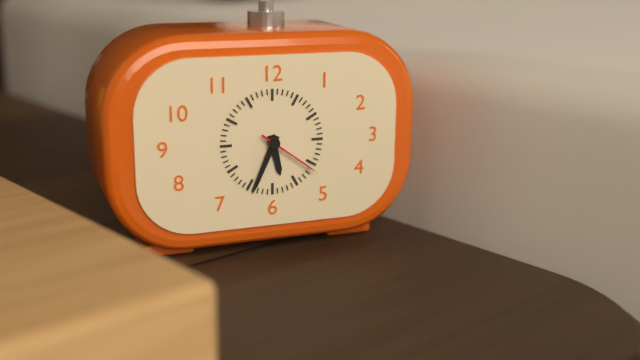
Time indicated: 5:34:21
